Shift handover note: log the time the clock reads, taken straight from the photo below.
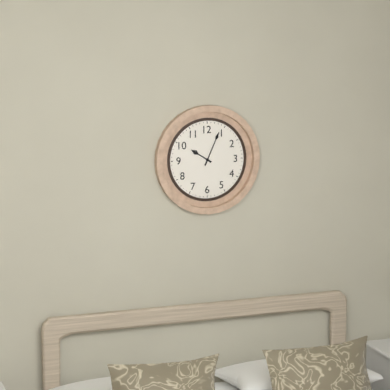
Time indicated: 10:04
